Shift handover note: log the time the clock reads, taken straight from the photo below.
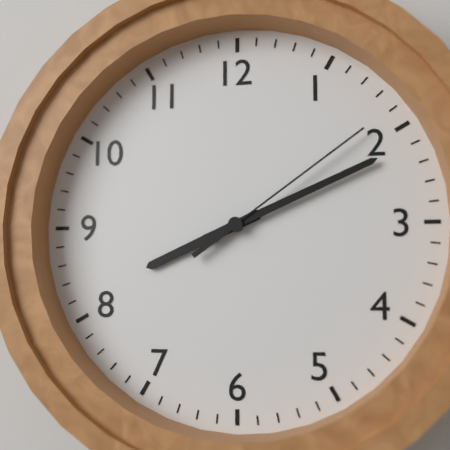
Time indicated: 8:11:09
